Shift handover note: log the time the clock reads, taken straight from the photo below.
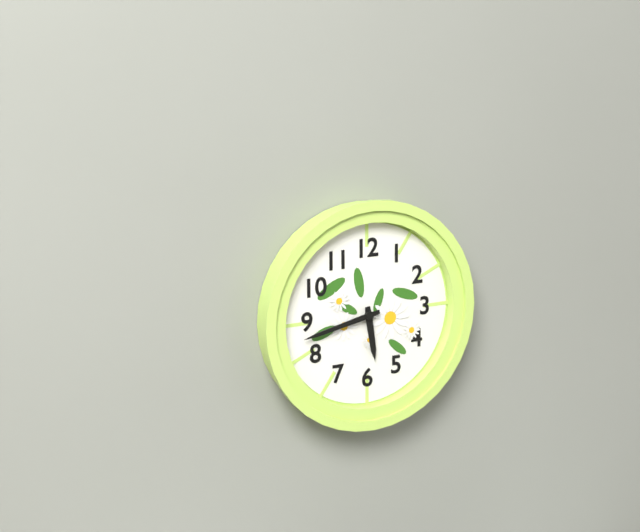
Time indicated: 5:43
